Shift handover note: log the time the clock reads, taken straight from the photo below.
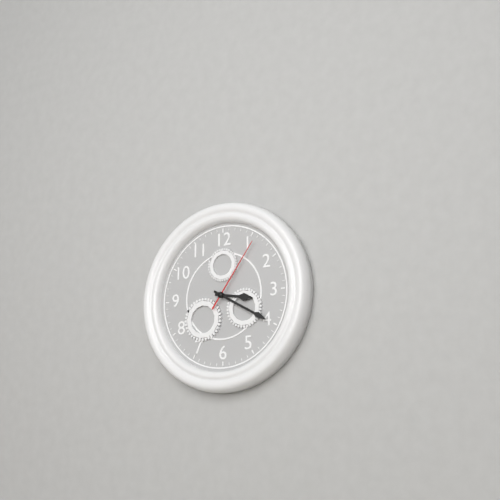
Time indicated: 3:20:06
